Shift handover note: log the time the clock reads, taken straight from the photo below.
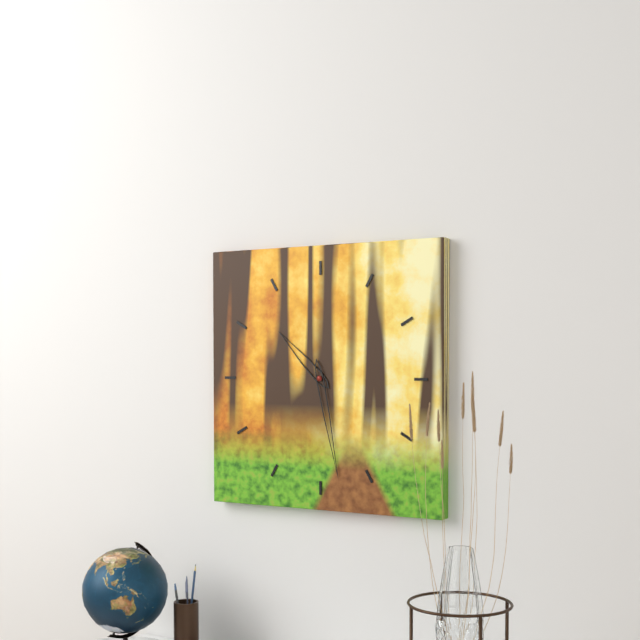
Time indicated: 10:28
